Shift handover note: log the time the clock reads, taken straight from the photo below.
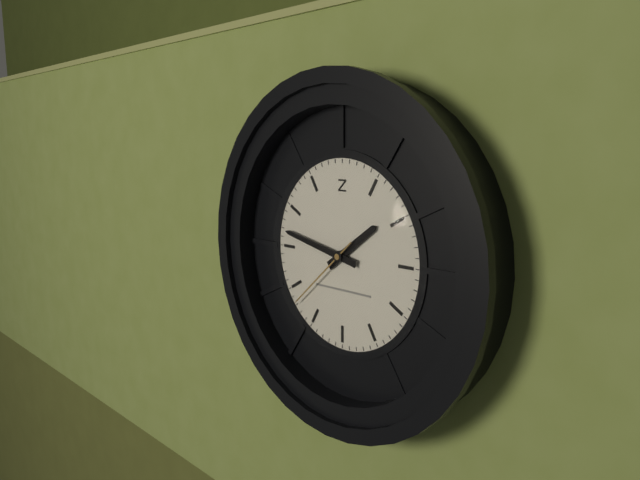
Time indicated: 1:47:38
